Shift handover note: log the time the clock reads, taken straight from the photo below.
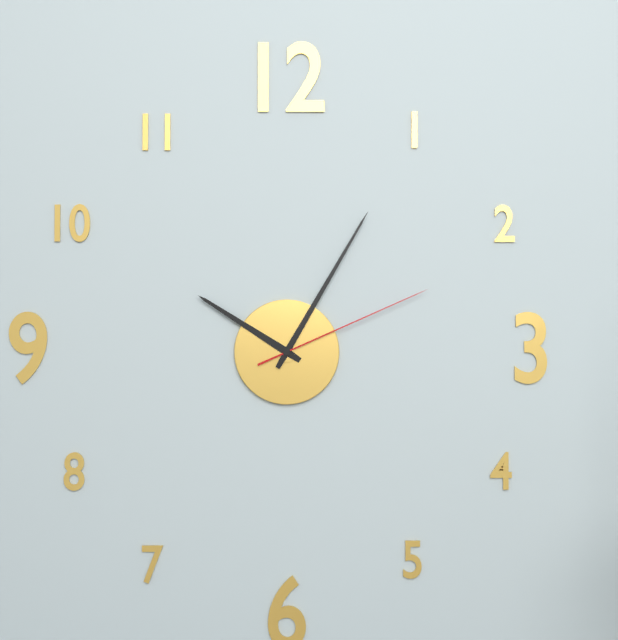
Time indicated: 10:05:11
